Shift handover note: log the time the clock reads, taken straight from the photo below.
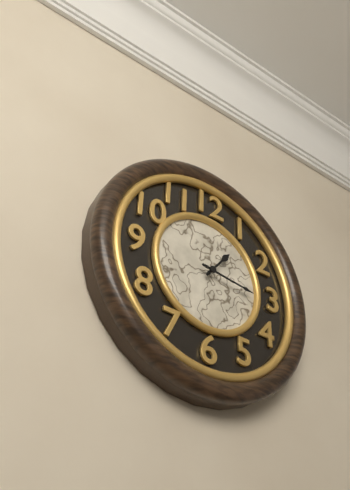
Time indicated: 1:16
